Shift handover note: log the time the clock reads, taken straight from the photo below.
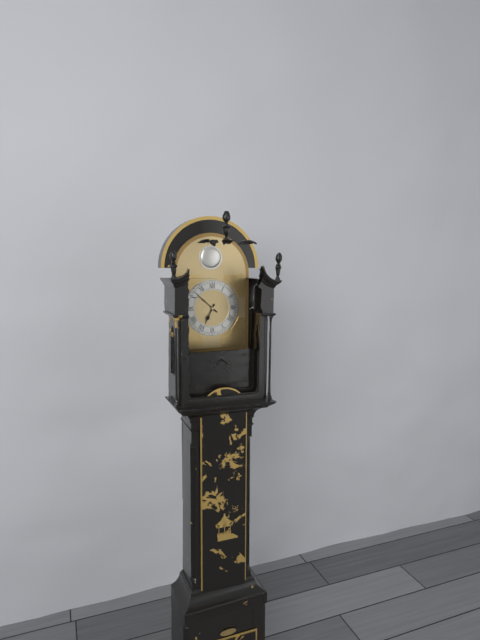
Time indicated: 6:52
